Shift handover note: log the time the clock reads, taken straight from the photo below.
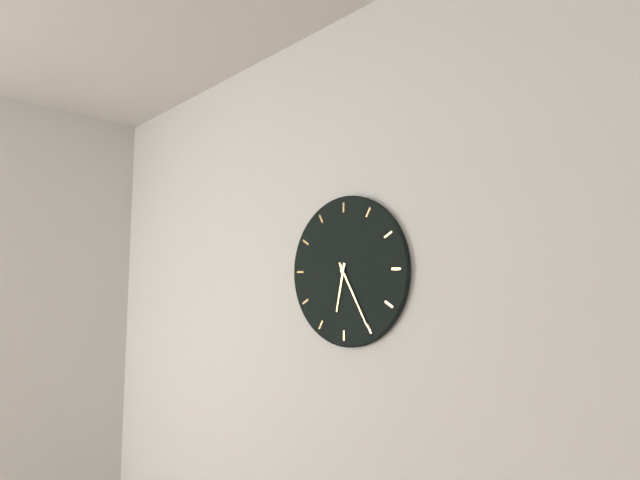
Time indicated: 6:25
